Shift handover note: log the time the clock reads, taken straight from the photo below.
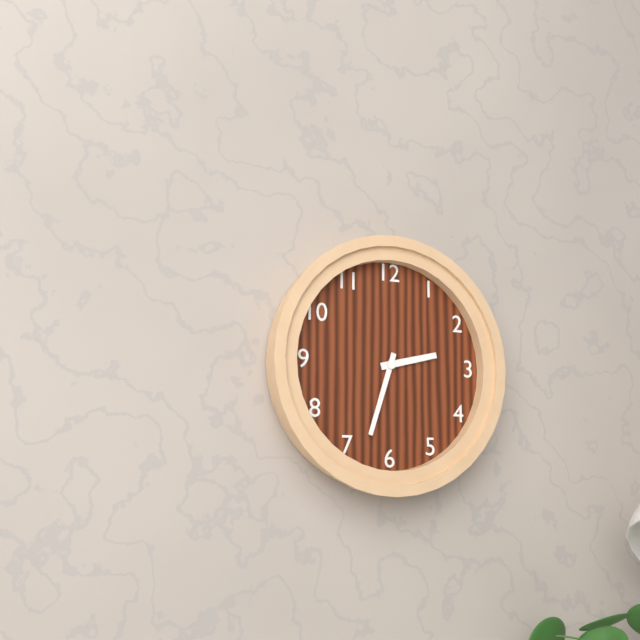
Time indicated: 2:33
